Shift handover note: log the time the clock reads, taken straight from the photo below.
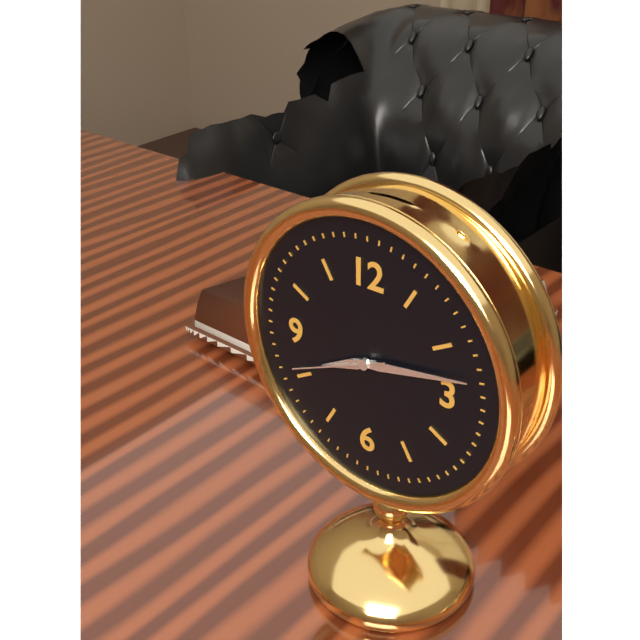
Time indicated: 8:13:41
